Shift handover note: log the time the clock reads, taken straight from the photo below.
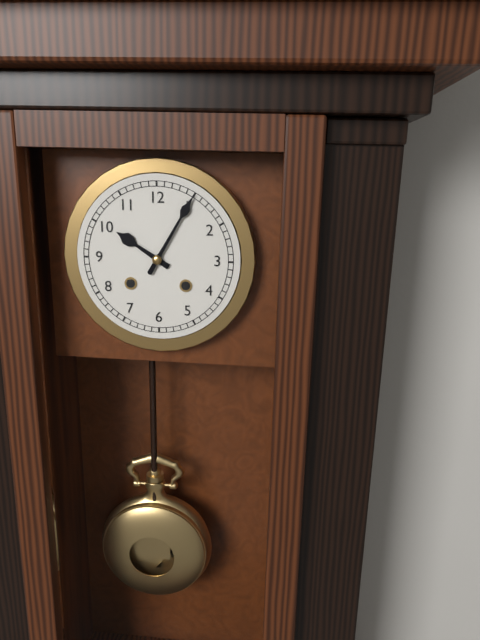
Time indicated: 10:05
